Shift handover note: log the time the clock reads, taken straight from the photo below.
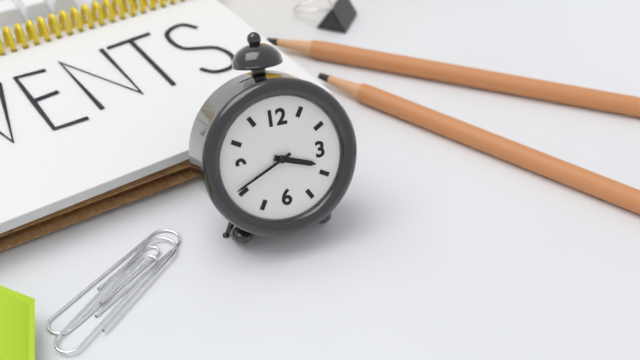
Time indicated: 3:41
